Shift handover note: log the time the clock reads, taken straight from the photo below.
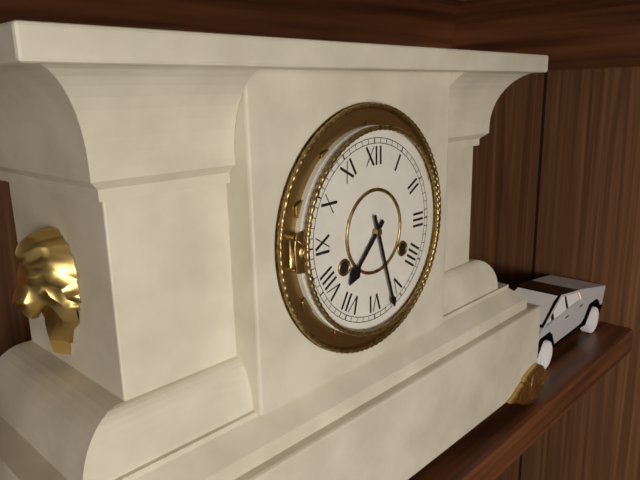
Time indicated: 7:27
